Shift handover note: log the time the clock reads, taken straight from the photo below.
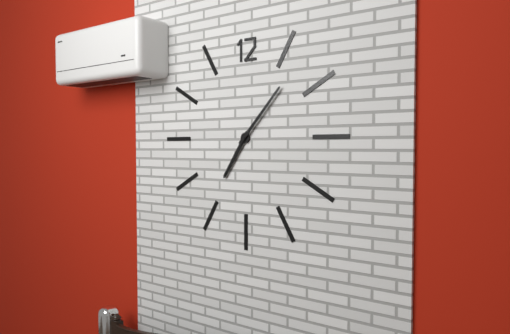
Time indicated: 7:07
